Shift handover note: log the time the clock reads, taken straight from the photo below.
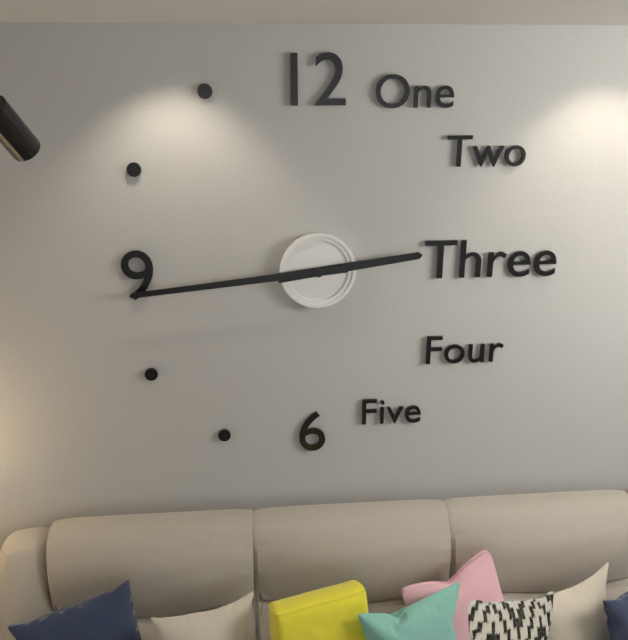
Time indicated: 2:44
